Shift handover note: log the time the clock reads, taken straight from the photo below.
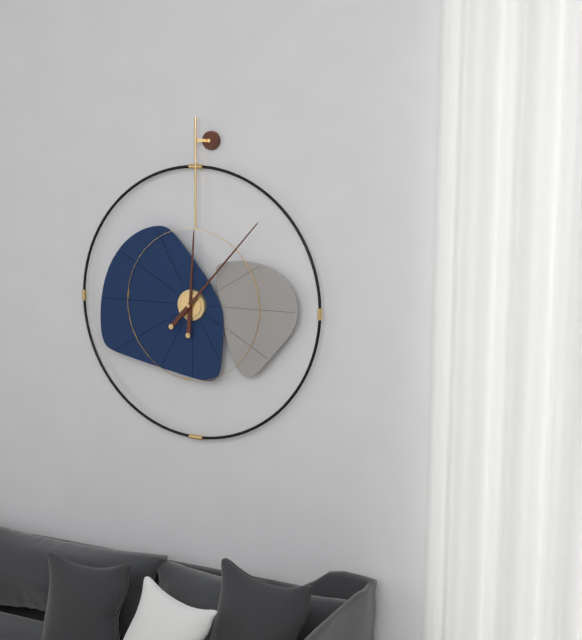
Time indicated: 12:07
